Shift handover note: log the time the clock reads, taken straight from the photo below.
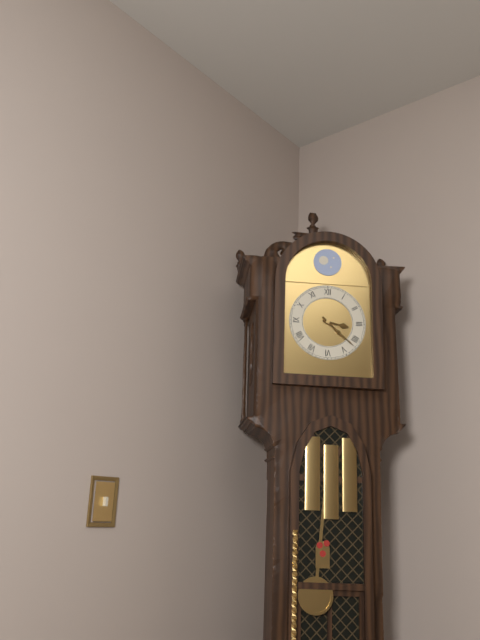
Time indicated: 3:22
